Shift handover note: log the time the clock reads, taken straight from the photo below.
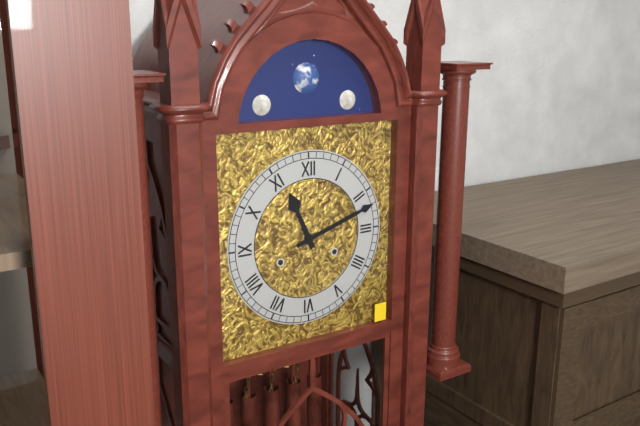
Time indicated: 11:12
